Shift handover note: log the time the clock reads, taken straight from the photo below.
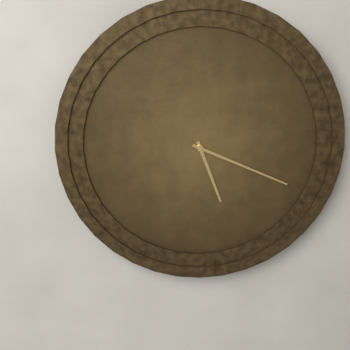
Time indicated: 5:19
